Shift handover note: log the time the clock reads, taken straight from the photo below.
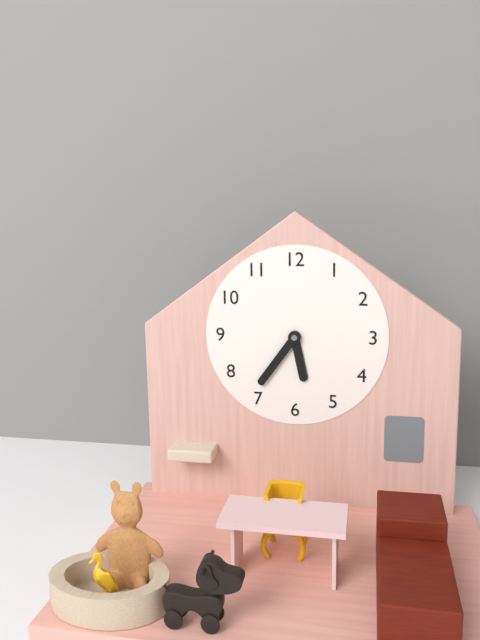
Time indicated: 5:36
